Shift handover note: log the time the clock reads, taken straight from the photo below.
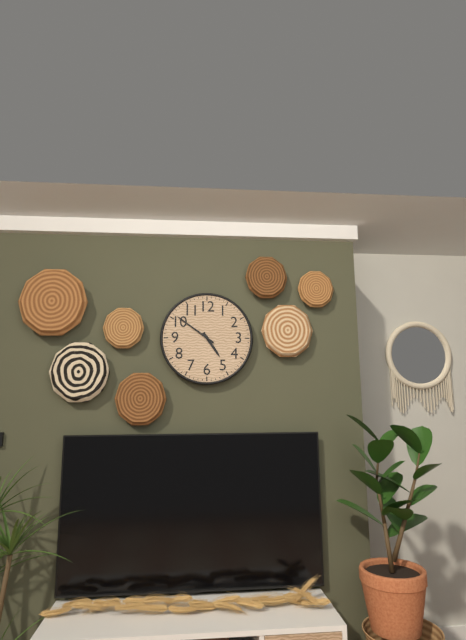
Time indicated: 4:51
